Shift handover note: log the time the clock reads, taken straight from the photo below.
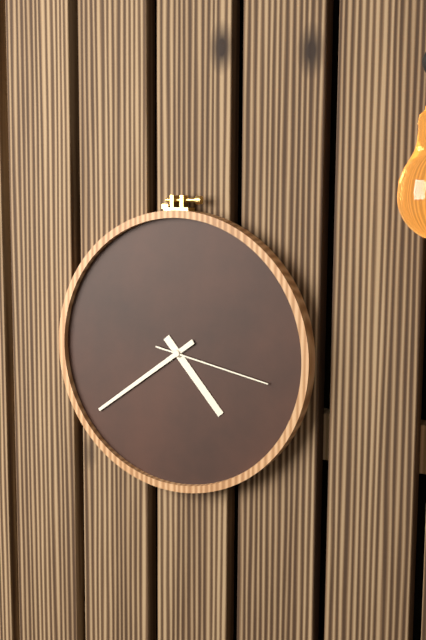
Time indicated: 4:39:17
